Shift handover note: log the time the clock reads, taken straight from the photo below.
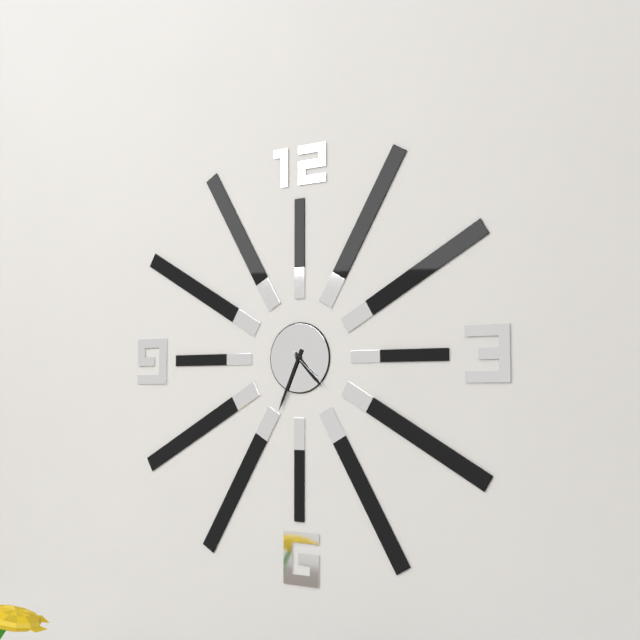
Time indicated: 4:34
